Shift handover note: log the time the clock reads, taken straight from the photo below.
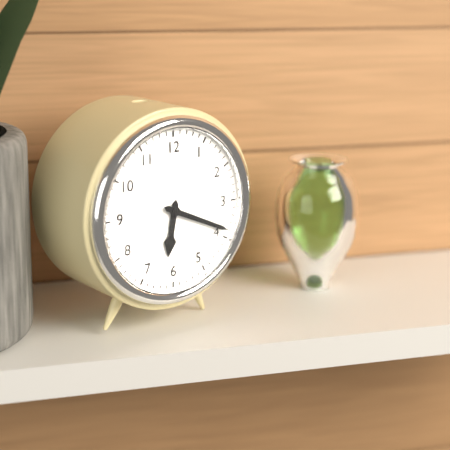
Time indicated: 6:19
